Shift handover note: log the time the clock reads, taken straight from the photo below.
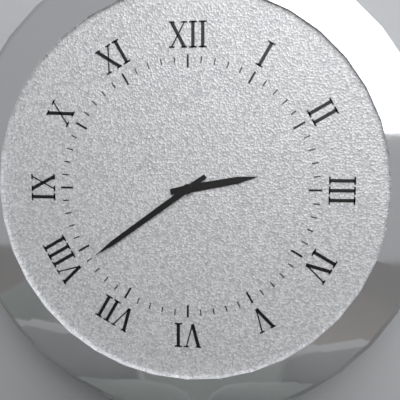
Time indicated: 2:39
